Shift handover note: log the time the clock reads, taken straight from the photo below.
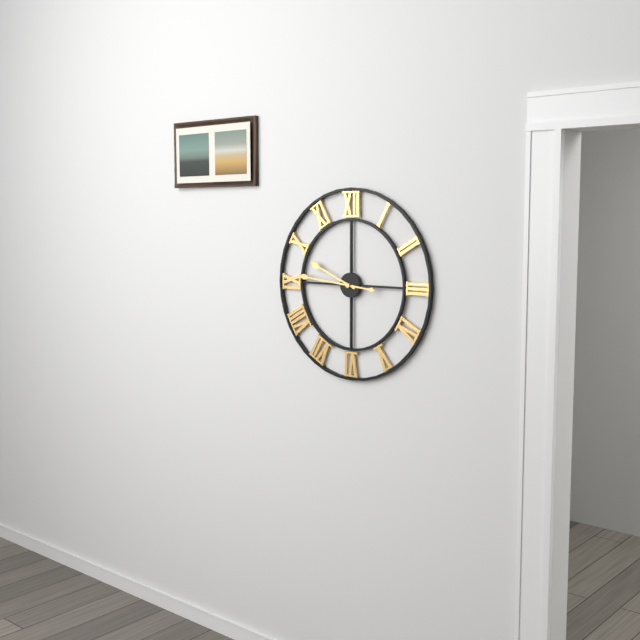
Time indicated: 9:46
